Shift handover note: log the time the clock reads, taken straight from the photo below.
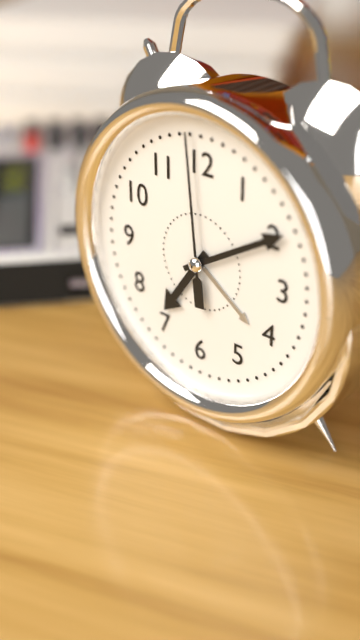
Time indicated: 7:10:59
